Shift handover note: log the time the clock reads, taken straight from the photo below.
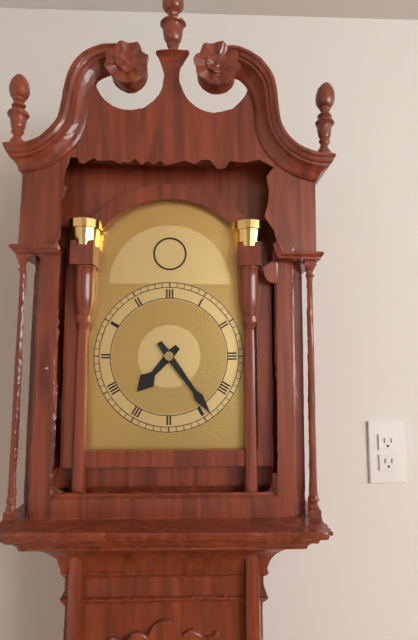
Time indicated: 7:24
